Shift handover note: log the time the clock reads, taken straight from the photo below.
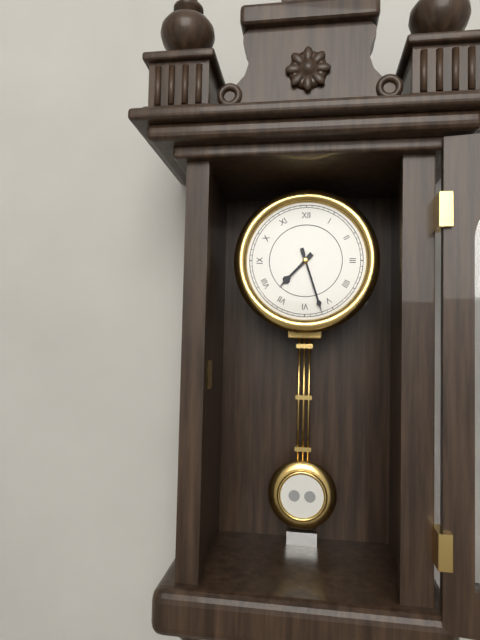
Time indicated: 7:27
